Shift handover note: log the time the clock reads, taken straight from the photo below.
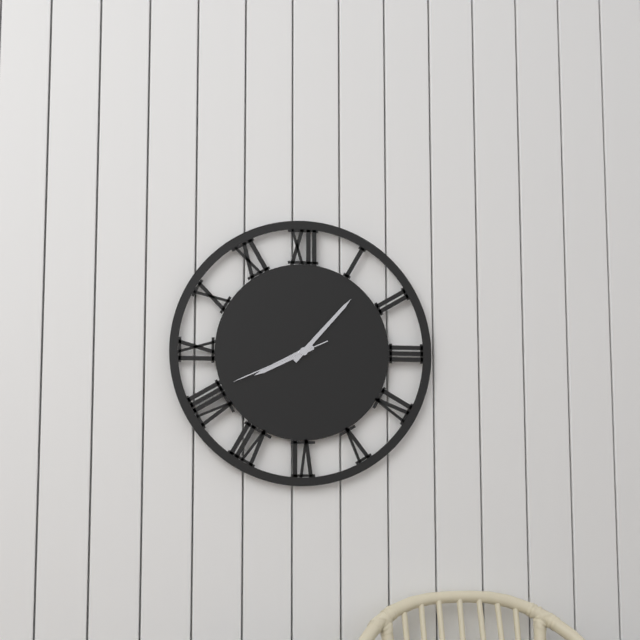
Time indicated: 8:07:41
